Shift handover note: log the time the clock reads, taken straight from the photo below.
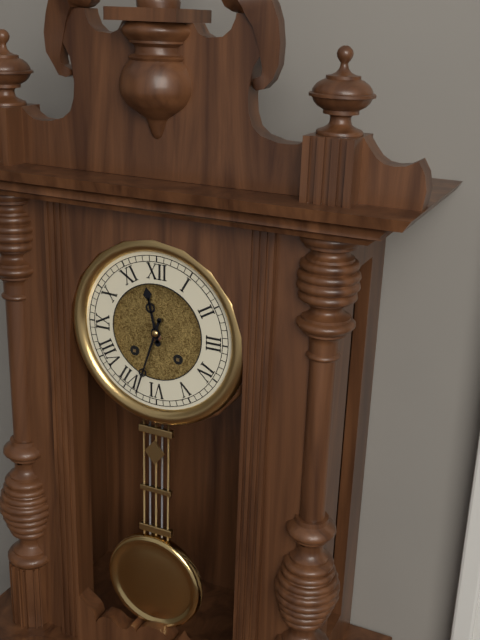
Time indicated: 11:33
